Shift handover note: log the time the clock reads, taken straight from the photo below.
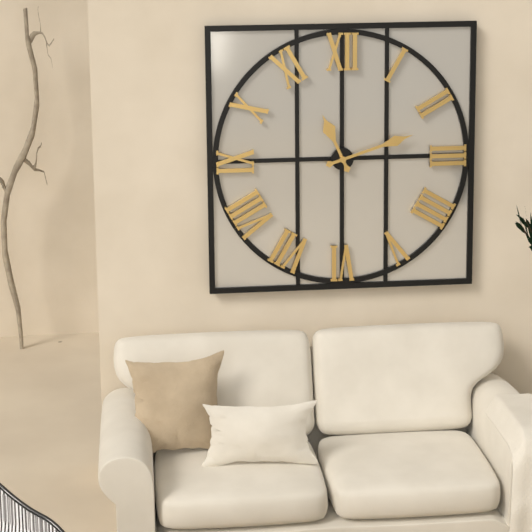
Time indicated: 11:12
